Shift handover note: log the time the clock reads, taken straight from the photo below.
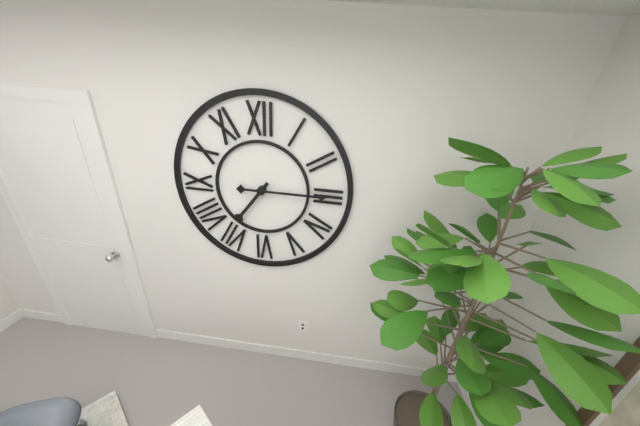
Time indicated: 7:15
